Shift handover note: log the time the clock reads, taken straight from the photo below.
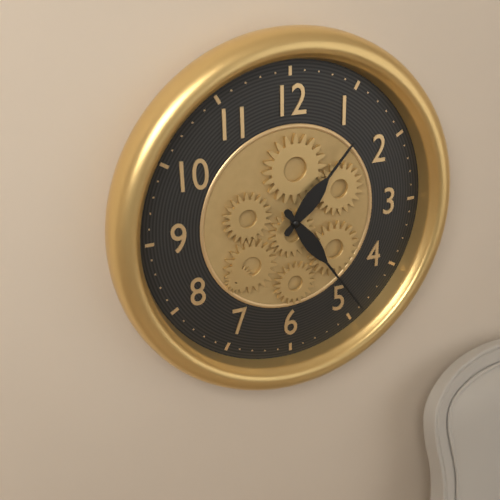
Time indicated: 1:24
